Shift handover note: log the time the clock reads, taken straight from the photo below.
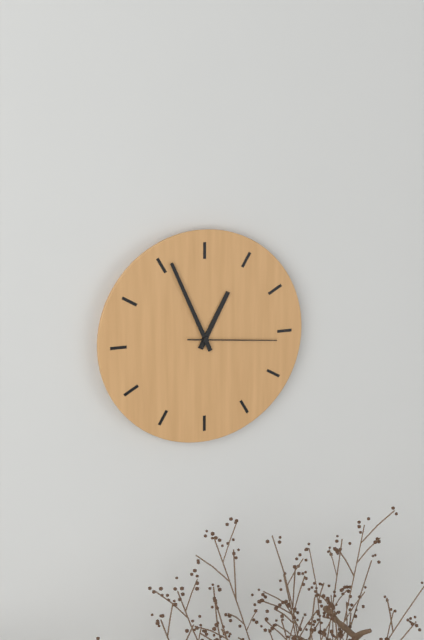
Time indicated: 12:56:16
